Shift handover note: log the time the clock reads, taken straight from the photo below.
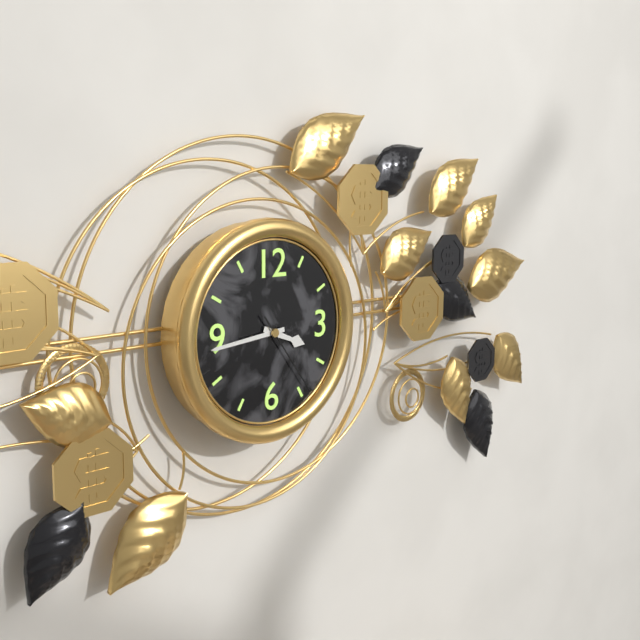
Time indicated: 3:44:24
